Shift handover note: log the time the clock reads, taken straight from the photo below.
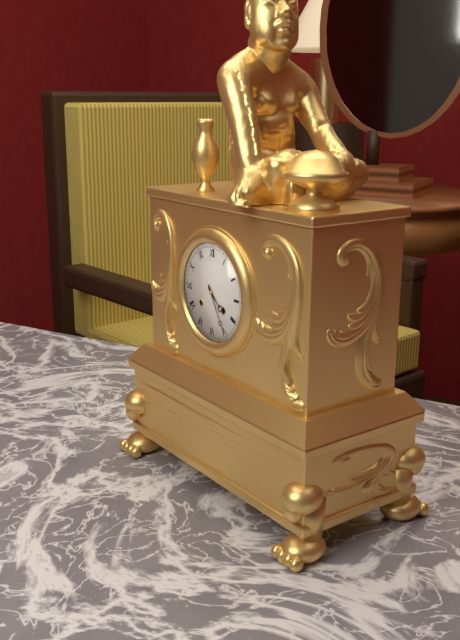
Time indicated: 4:25
